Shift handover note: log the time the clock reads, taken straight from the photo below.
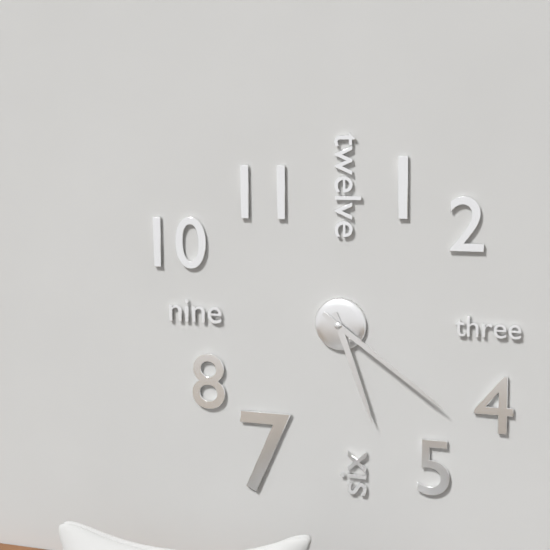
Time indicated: 5:21
